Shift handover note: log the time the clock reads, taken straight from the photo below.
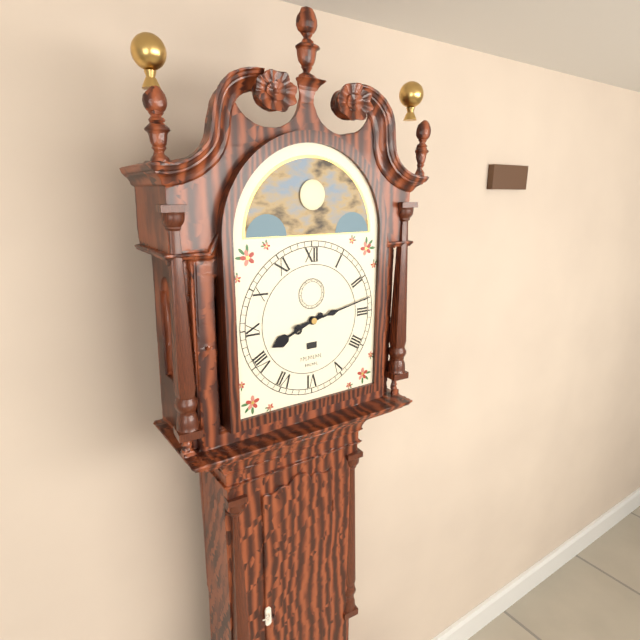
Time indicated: 8:13
